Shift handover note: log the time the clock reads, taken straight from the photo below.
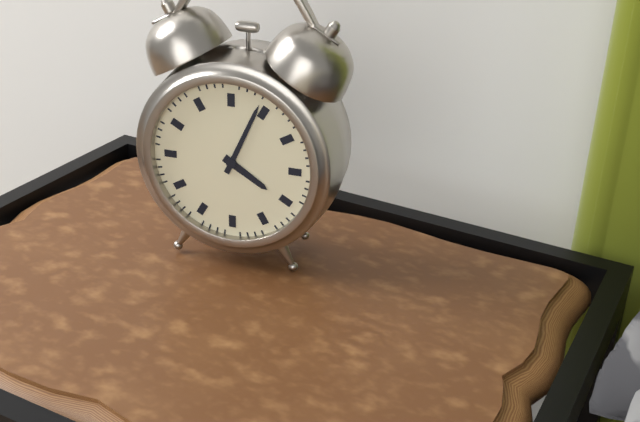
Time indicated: 4:04
